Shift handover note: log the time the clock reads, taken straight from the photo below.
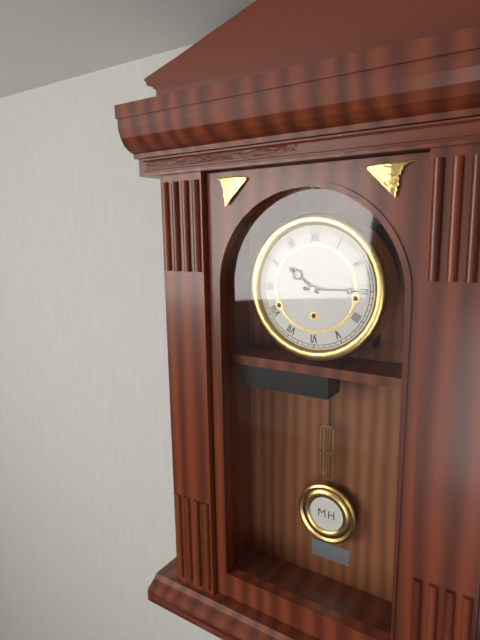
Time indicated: 10:15
